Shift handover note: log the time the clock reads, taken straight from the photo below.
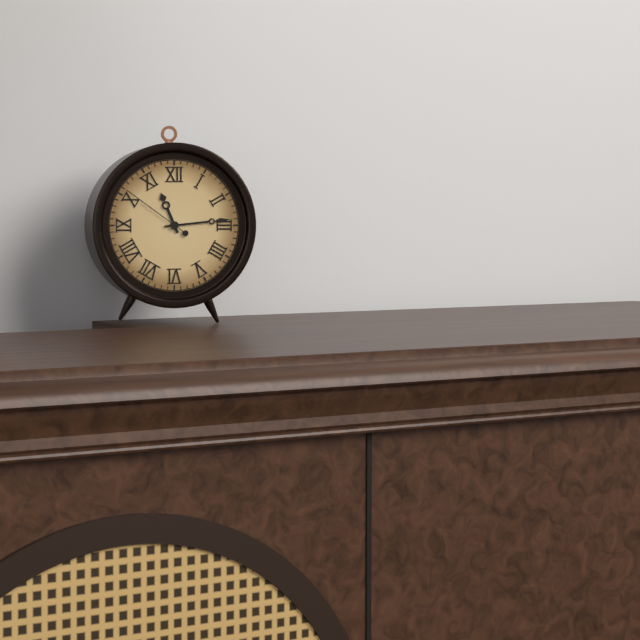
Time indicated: 11:14:51
